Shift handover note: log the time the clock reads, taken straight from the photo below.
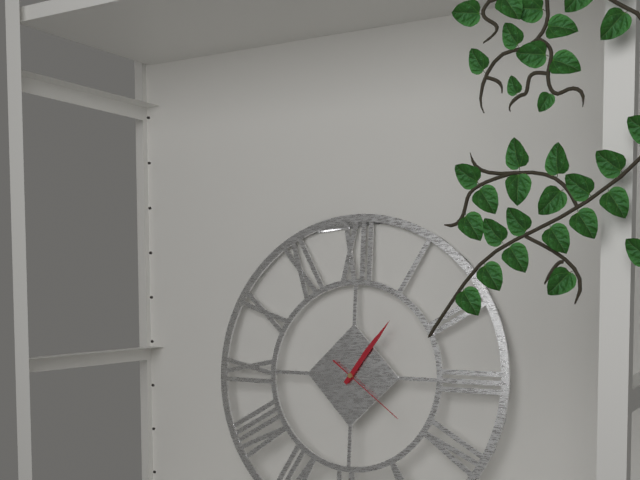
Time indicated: 1:06:21
